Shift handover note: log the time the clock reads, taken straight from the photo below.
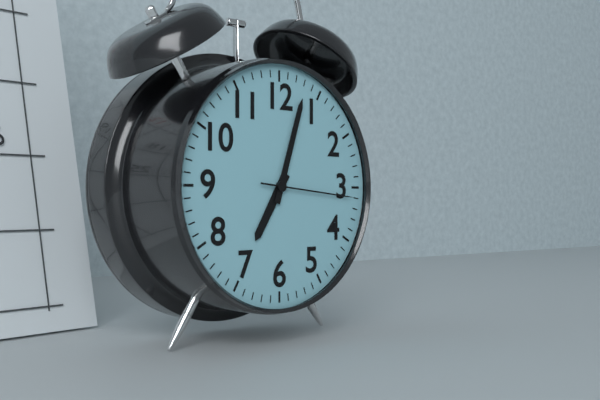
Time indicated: 7:03:16
